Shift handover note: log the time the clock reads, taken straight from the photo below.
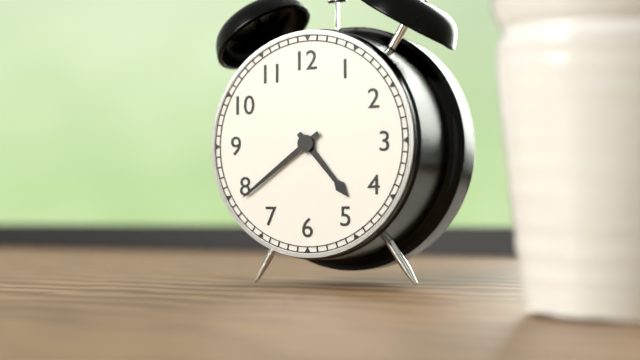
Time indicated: 4:39
